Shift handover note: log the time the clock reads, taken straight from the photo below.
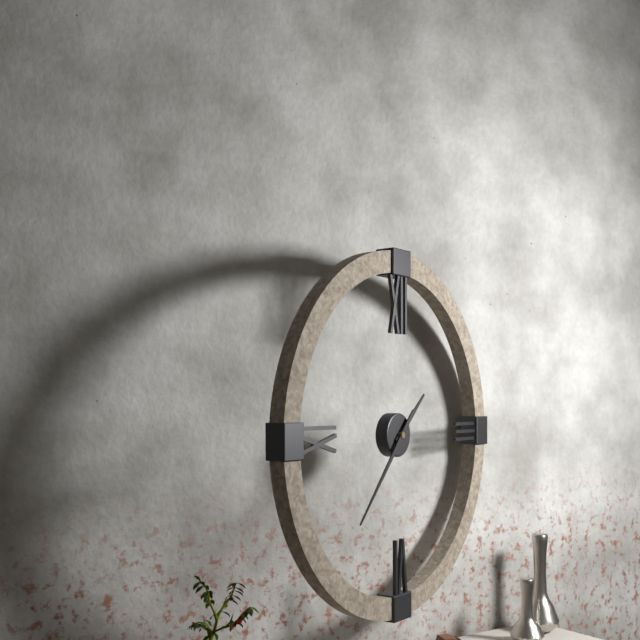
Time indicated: 1:37
